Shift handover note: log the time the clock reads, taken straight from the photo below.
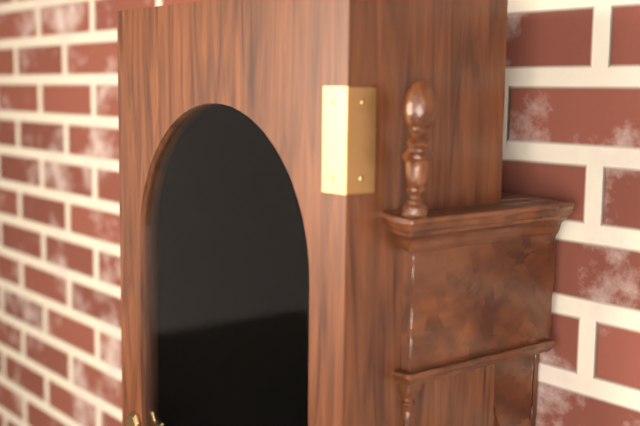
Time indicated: 3:36
